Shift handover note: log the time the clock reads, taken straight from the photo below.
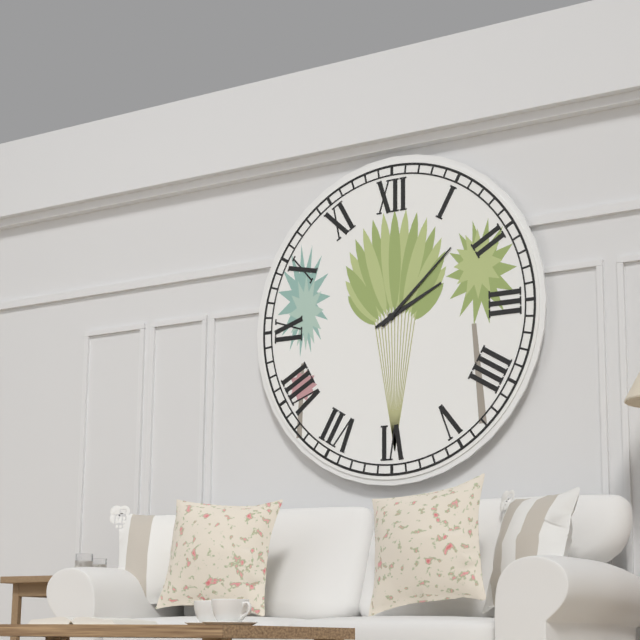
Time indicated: 2:08
